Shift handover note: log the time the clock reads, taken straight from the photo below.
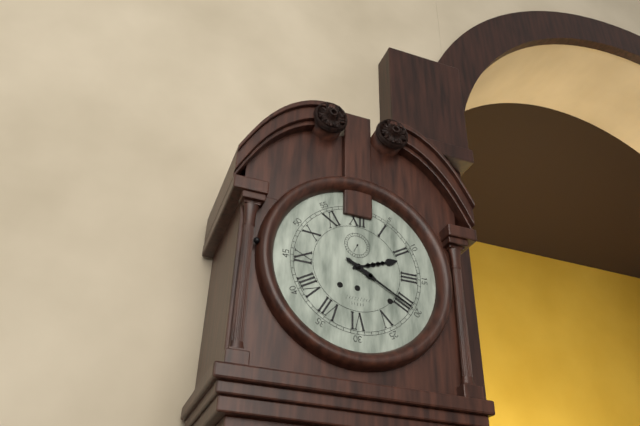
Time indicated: 2:20
